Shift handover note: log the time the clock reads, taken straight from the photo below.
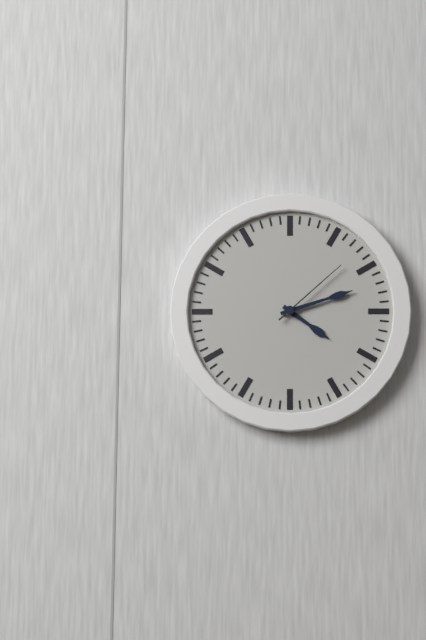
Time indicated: 4:12:08
